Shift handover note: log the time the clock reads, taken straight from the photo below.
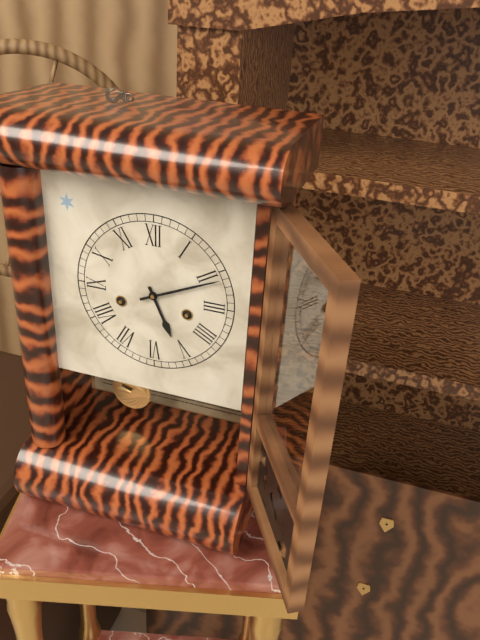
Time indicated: 5:11
